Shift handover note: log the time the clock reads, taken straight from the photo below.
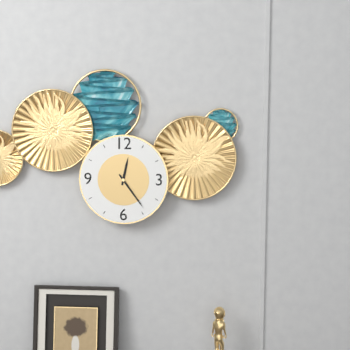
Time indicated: 12:24
